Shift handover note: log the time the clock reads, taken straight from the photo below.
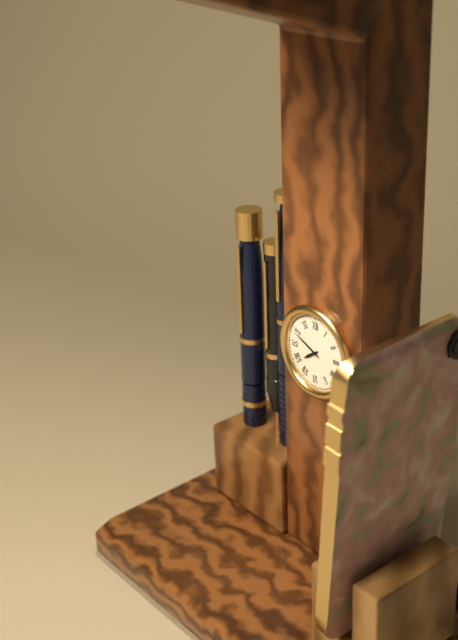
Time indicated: 7:49
